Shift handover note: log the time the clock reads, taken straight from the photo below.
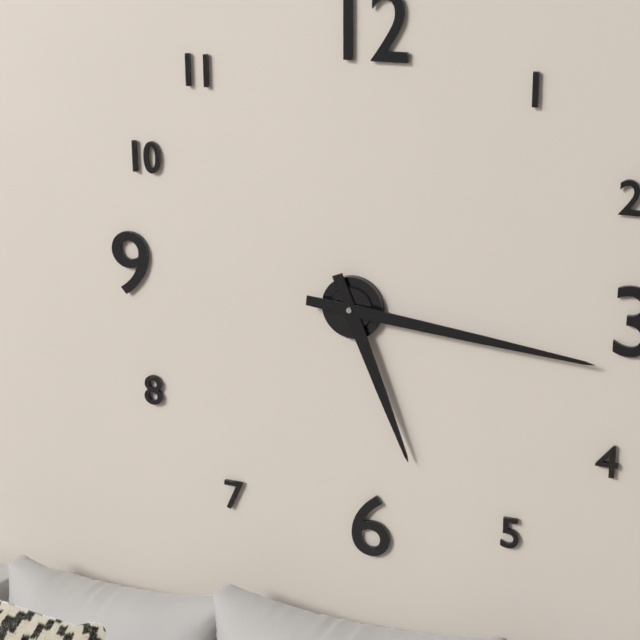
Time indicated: 5:16
